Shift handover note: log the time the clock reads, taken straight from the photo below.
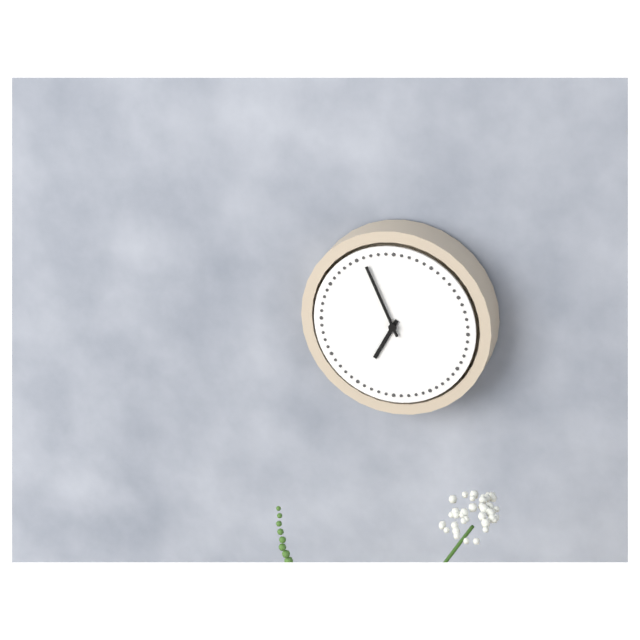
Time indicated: 6:56
